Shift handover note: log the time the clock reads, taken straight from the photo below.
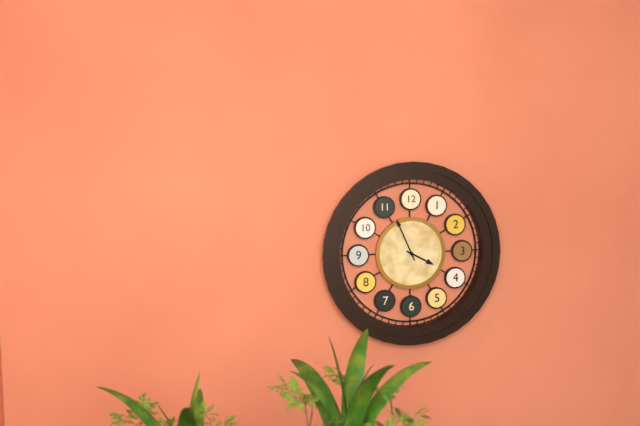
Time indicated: 3:56
